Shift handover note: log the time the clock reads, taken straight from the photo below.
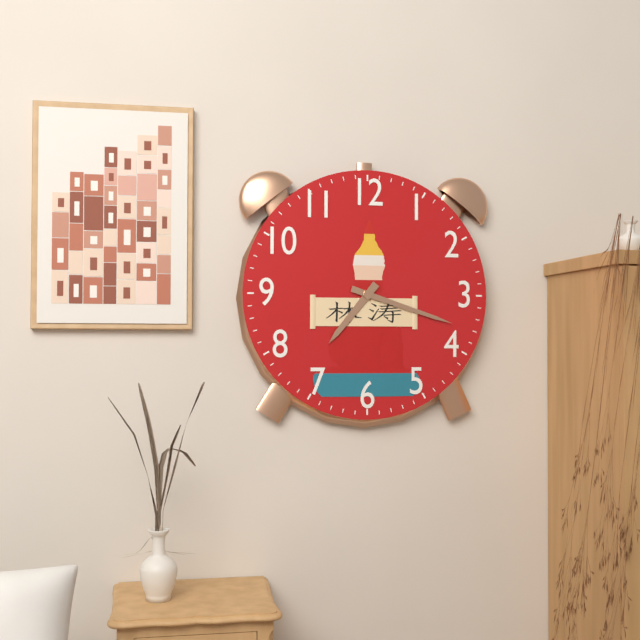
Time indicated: 7:18
